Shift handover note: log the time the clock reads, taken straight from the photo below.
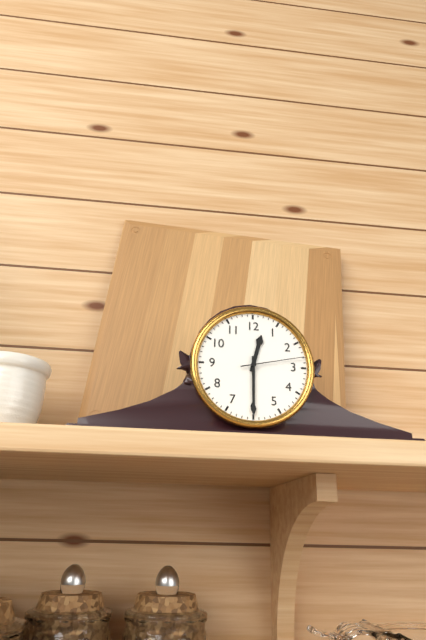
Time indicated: 12:30:13
